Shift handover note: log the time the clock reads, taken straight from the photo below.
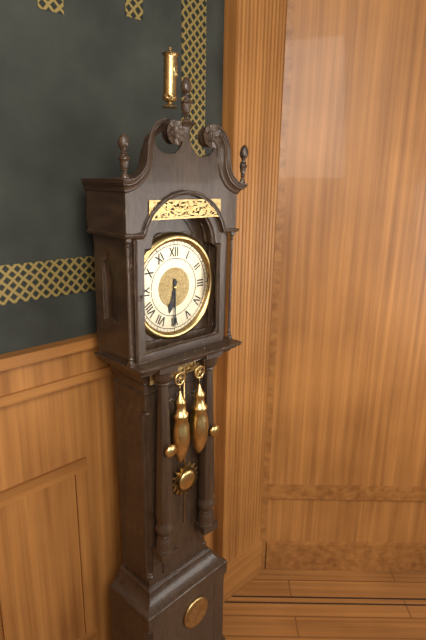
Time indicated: 6:30
